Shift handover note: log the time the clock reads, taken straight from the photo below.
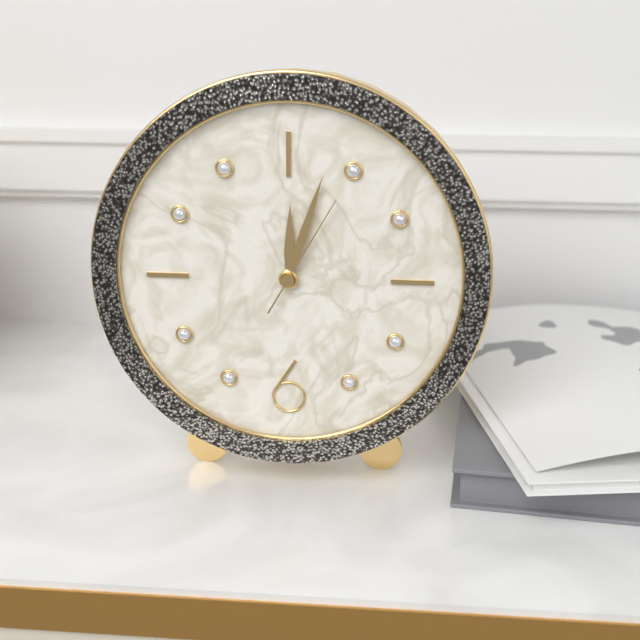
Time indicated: 12:03:05
